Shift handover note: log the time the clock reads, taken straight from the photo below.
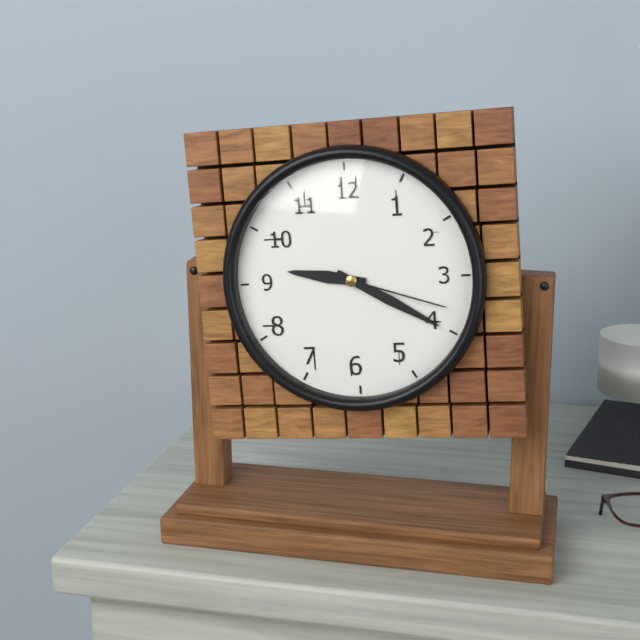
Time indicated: 9:20:18
